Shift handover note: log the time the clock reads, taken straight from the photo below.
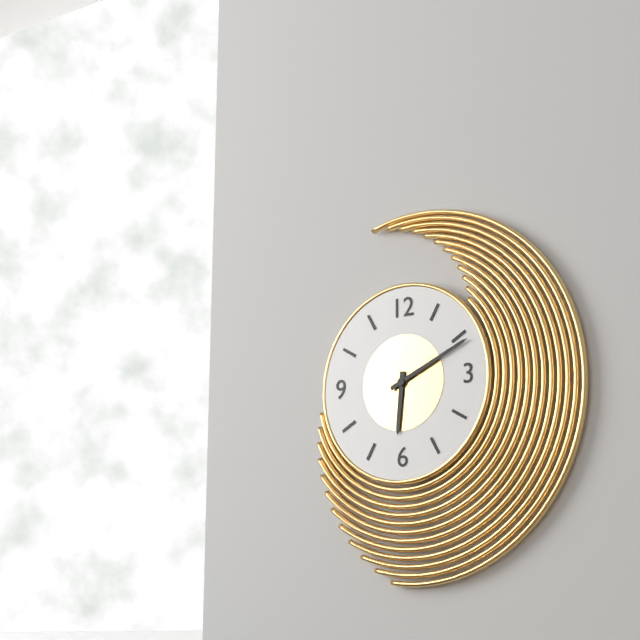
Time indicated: 6:11
